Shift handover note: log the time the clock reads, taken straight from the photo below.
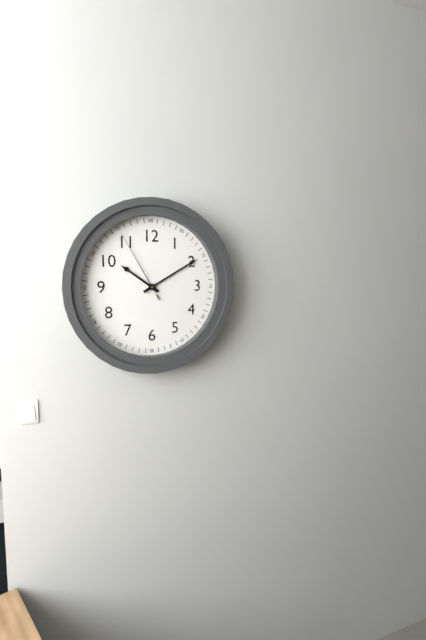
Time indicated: 10:10:55
